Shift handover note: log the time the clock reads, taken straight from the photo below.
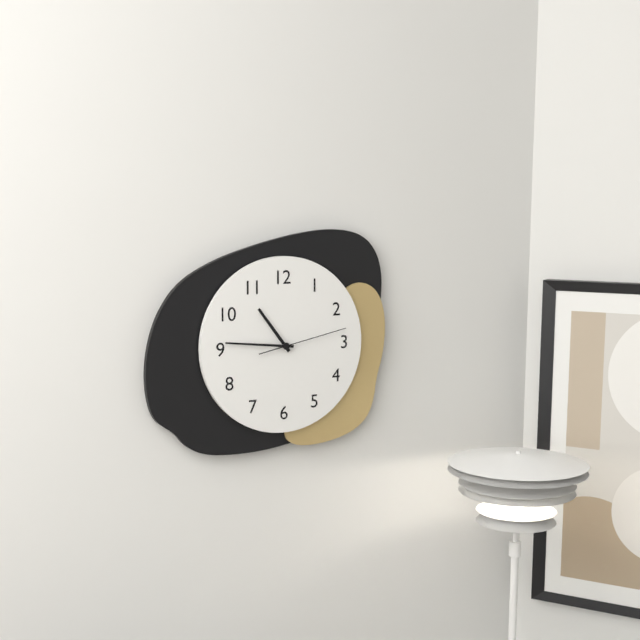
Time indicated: 10:46:13
